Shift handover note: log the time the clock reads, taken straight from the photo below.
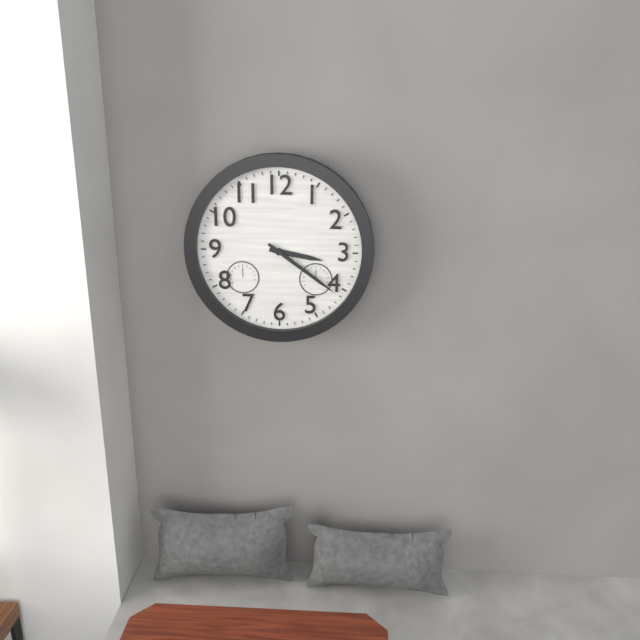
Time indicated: 3:21
